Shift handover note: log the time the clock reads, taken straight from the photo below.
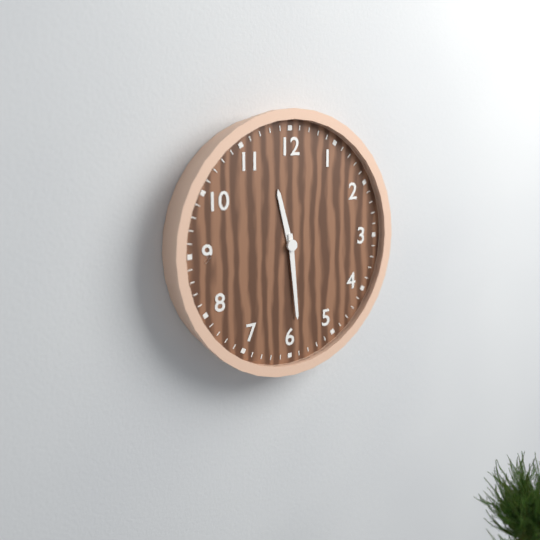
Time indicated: 11:29
